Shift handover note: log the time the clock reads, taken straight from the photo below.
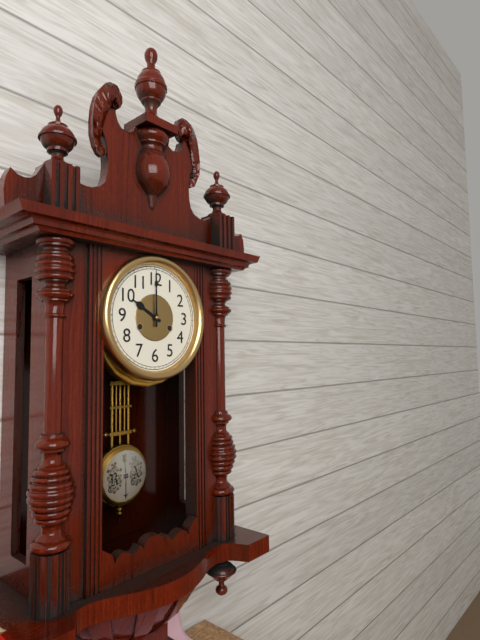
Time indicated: 10:00
